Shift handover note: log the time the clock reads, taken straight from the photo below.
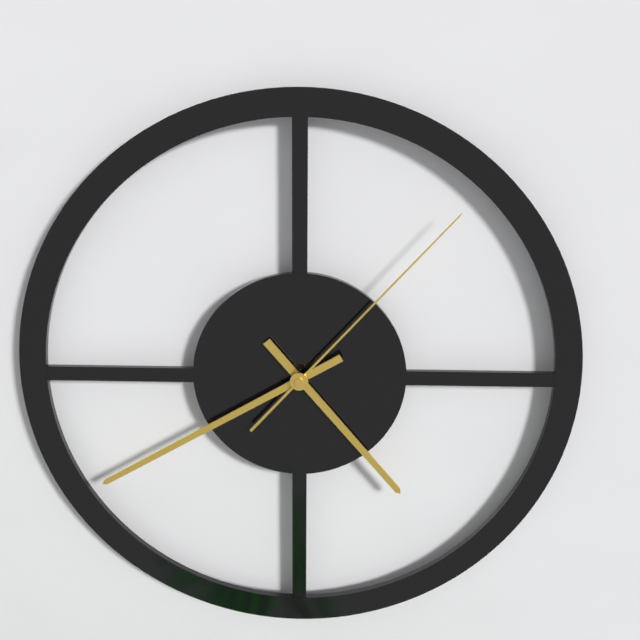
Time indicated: 4:40:07
